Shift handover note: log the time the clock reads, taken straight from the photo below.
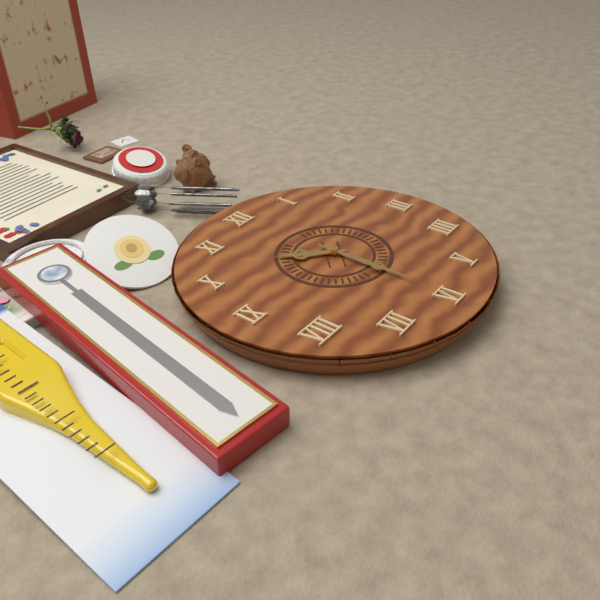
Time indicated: 10:30
